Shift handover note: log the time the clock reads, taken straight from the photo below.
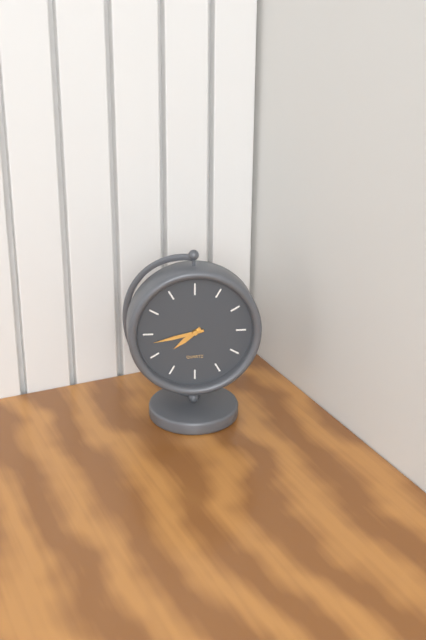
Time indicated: 7:43
